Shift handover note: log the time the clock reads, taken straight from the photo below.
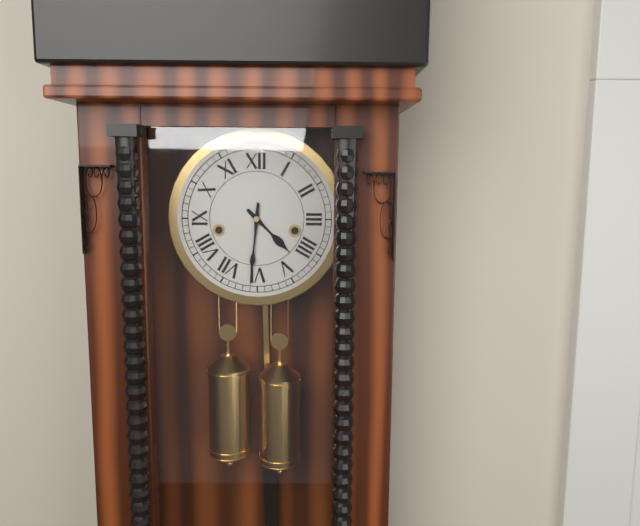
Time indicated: 4:31
